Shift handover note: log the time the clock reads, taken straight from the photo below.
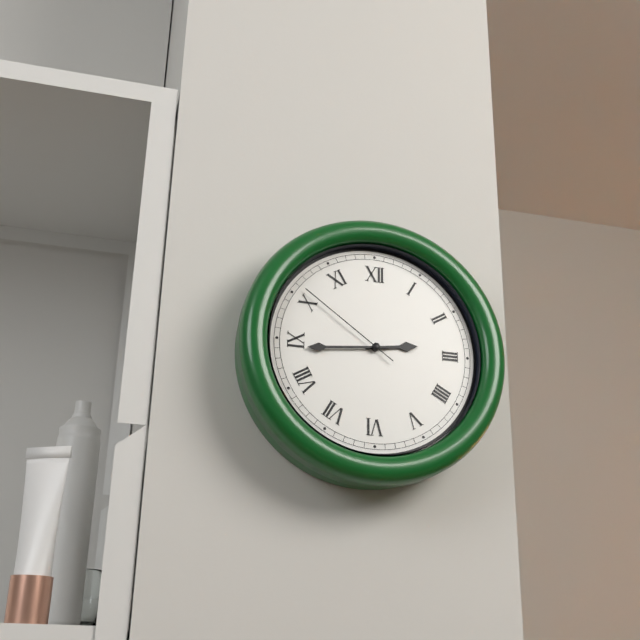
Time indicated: 2:44:51
